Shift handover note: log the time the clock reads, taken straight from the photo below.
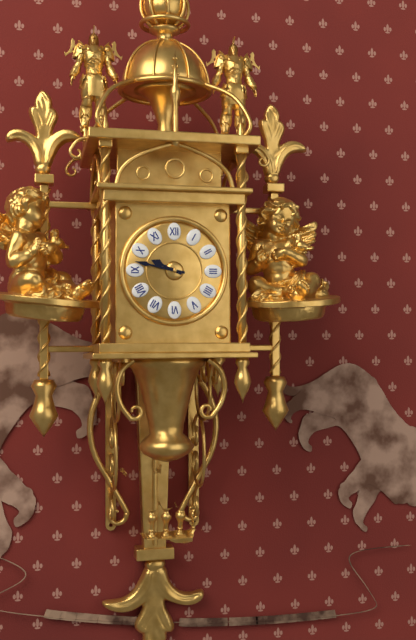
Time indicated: 9:47
